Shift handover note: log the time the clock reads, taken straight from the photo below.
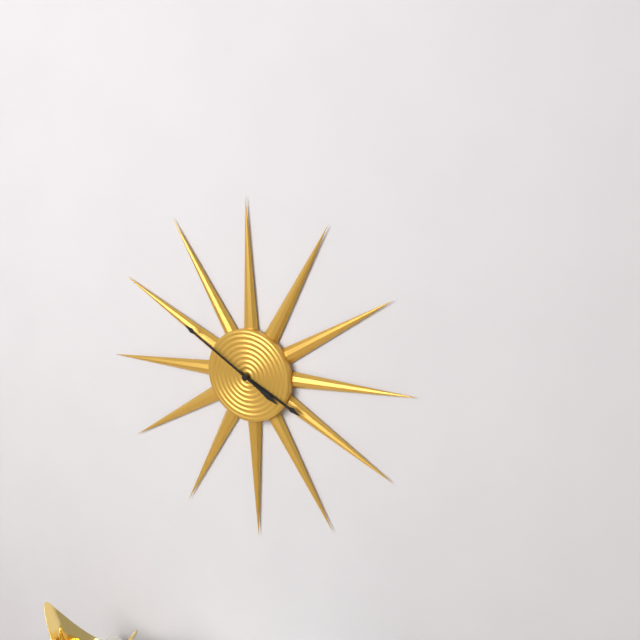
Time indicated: 3:50
